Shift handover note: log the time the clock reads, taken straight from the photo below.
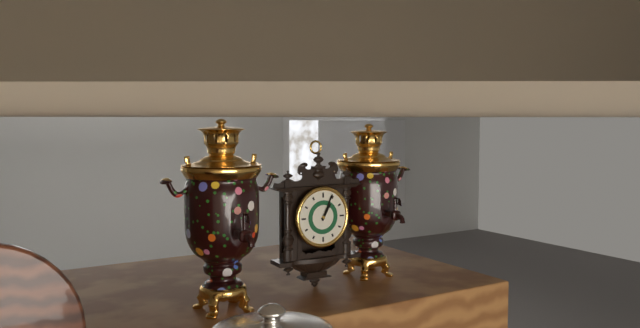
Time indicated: 1:04
